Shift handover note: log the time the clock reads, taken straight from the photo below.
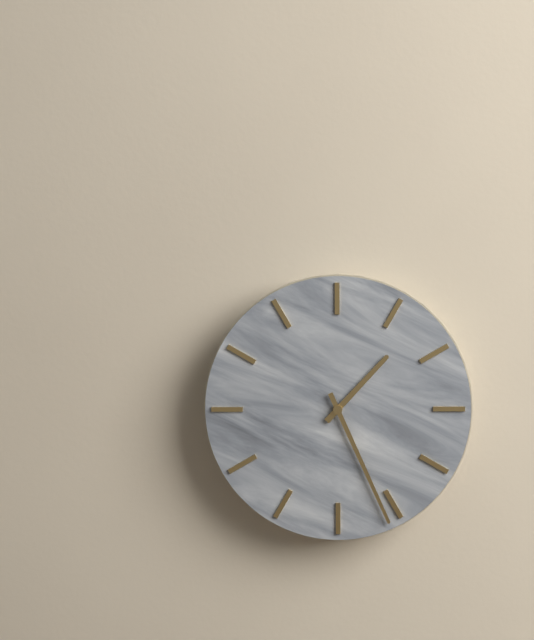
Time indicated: 1:26
